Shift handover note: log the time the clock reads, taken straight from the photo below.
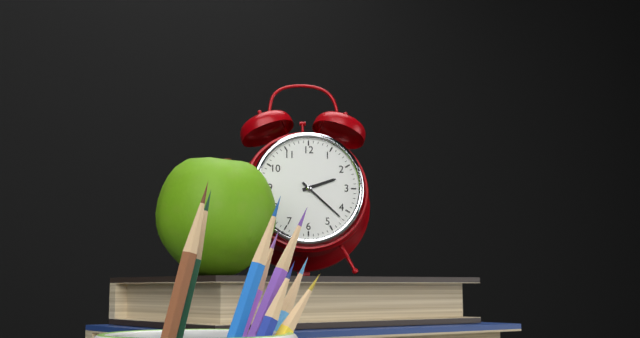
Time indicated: 2:22
